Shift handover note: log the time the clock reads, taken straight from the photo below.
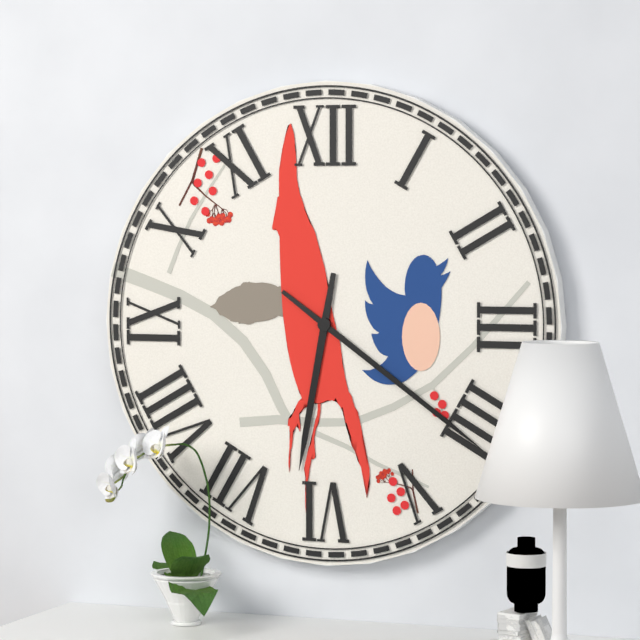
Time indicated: 6:21
